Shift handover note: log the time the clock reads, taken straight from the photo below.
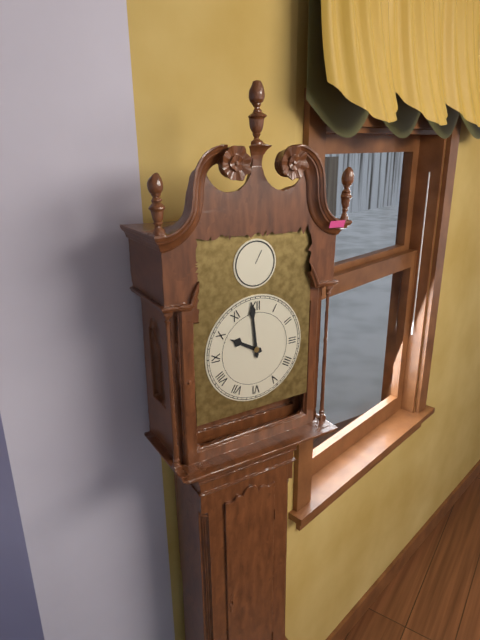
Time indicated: 9:59
